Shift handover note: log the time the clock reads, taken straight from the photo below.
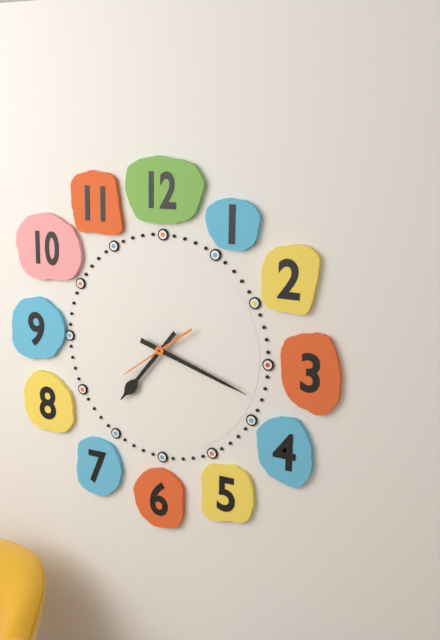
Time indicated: 7:18:39
